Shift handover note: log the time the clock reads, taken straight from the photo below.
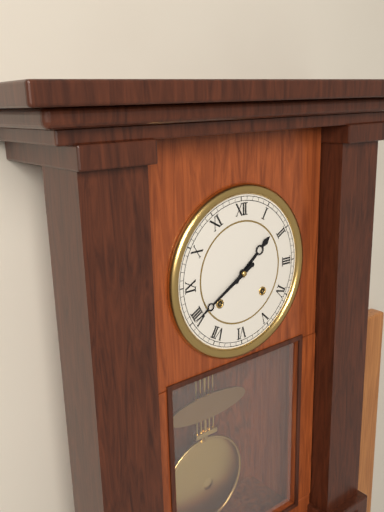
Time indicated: 1:40
